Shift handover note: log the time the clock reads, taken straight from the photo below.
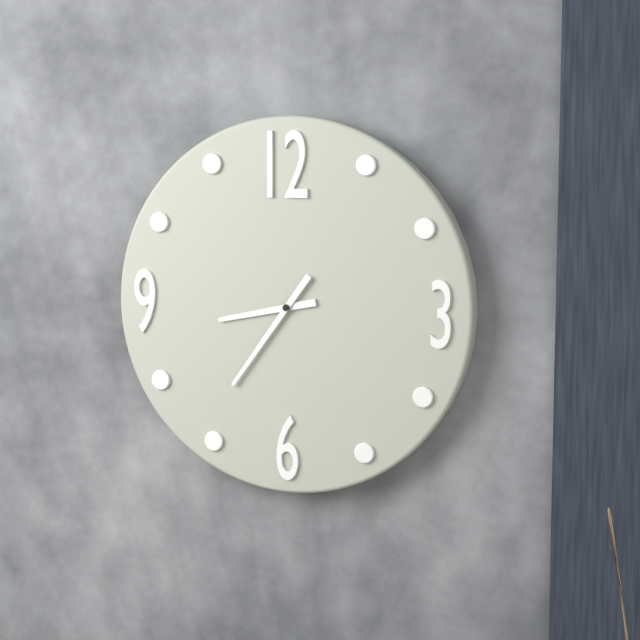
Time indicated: 8:36
